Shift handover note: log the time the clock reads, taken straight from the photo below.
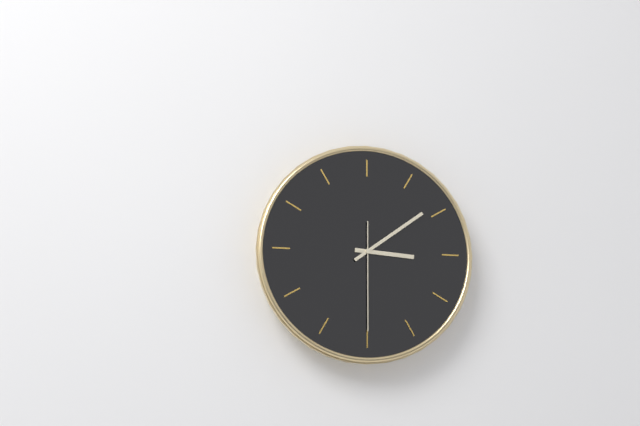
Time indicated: 3:09:30
